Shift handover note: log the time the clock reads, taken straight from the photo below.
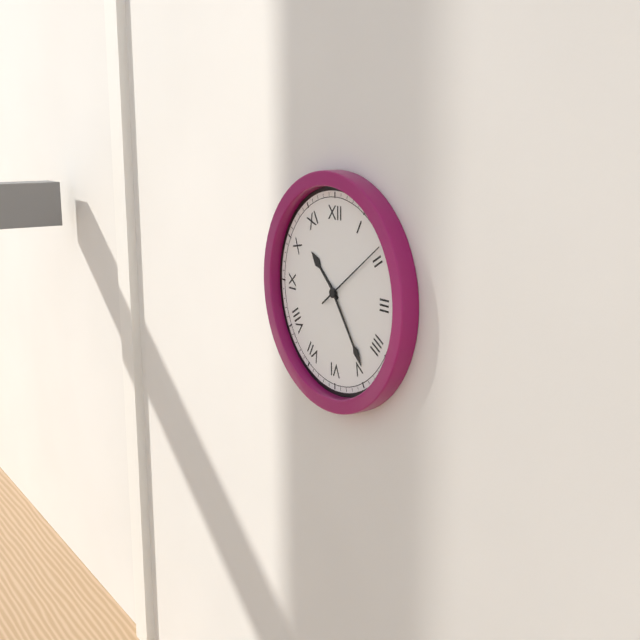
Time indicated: 10:24:09
